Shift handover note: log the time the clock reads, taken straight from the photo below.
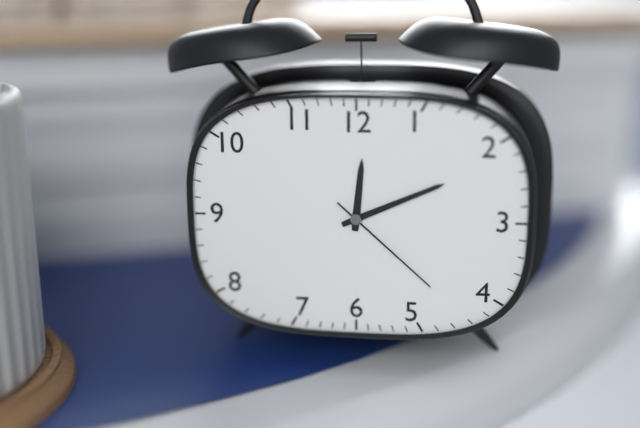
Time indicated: 12:11:22
